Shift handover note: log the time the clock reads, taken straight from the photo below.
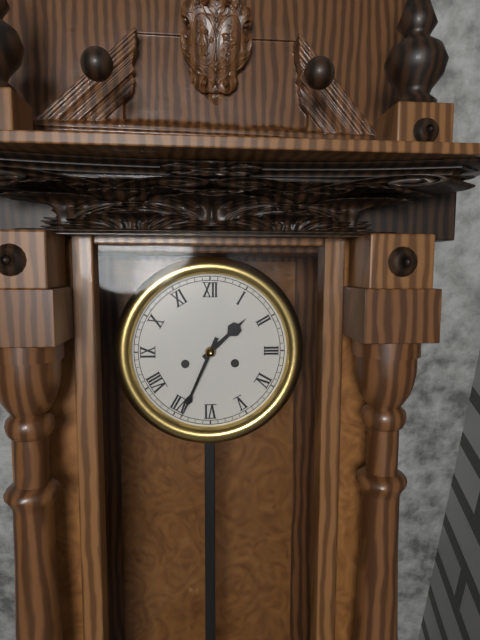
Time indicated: 1:34
